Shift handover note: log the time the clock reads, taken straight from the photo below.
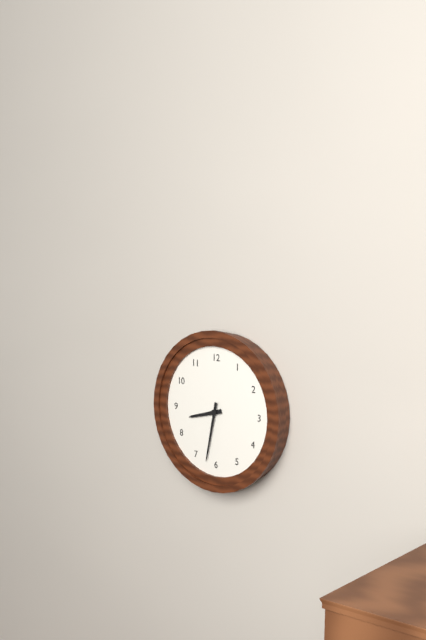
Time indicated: 8:32
